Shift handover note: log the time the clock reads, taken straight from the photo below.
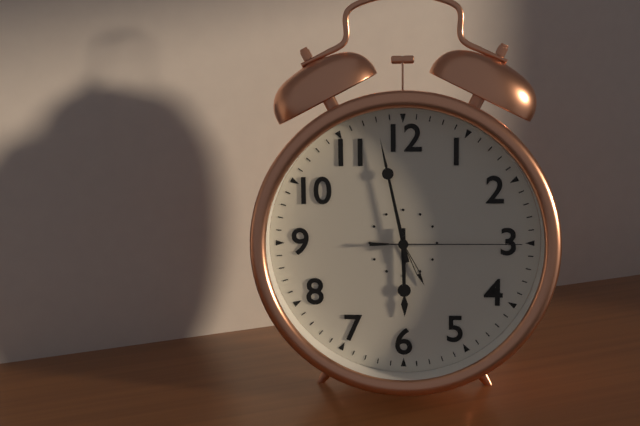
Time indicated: 5:58:15
